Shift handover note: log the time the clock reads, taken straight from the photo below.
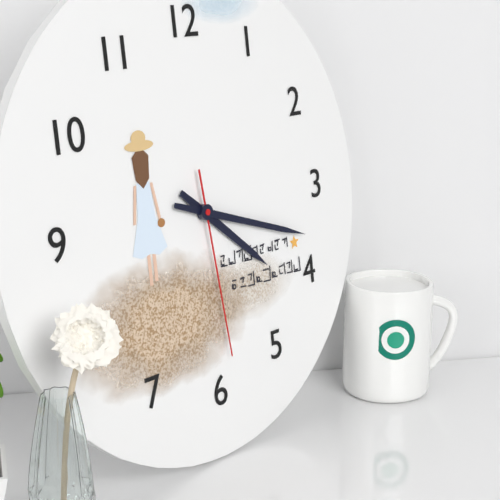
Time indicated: 4:18:29
